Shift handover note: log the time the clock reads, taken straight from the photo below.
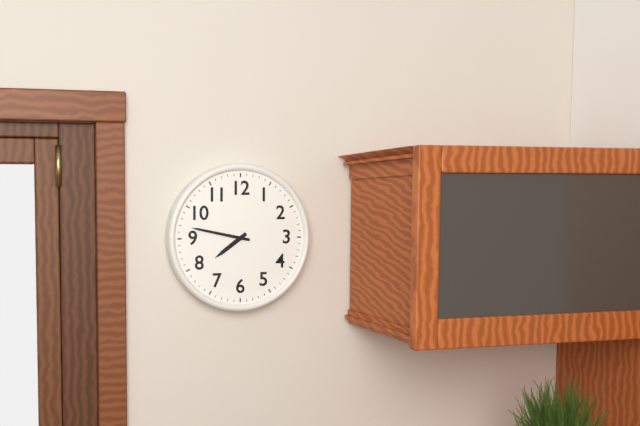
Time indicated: 7:47
